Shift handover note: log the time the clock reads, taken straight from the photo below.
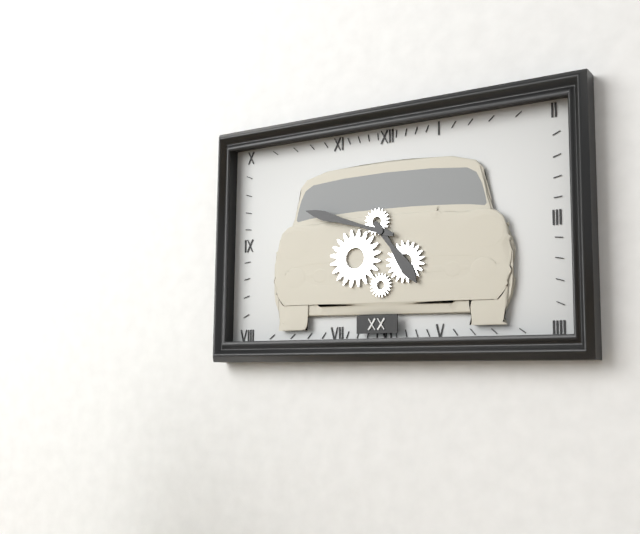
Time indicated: 4:48
